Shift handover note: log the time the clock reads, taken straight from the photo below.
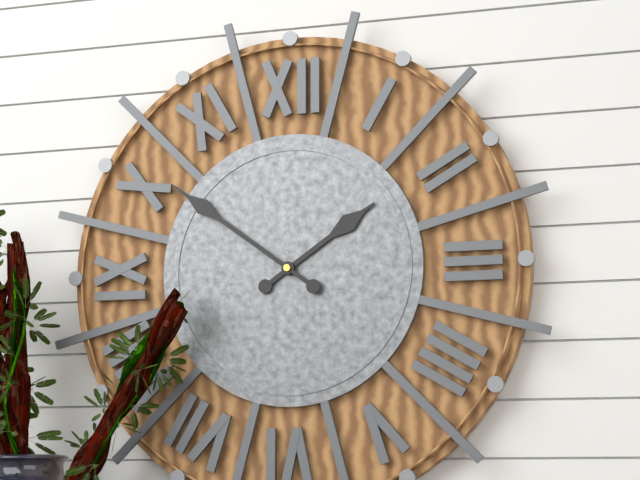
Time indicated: 1:51
